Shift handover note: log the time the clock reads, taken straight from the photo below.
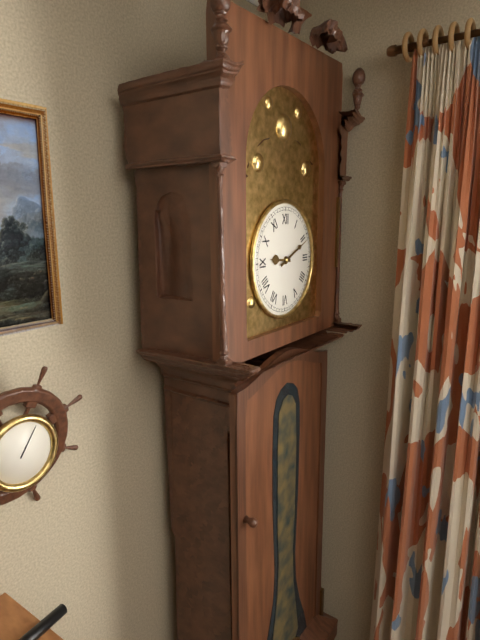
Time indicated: 9:11
